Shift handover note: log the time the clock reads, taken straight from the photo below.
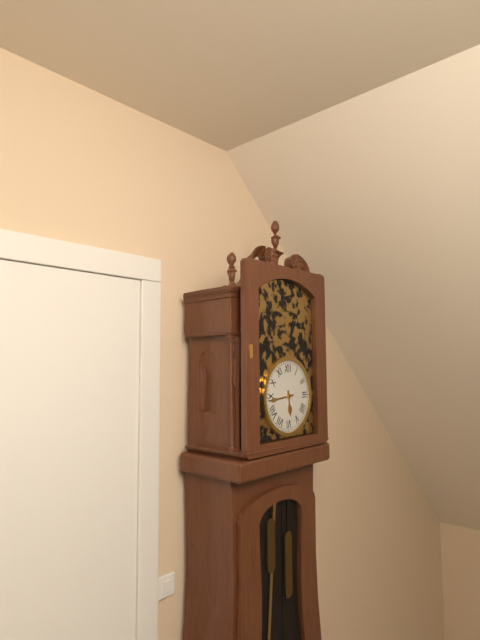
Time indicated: 5:44
